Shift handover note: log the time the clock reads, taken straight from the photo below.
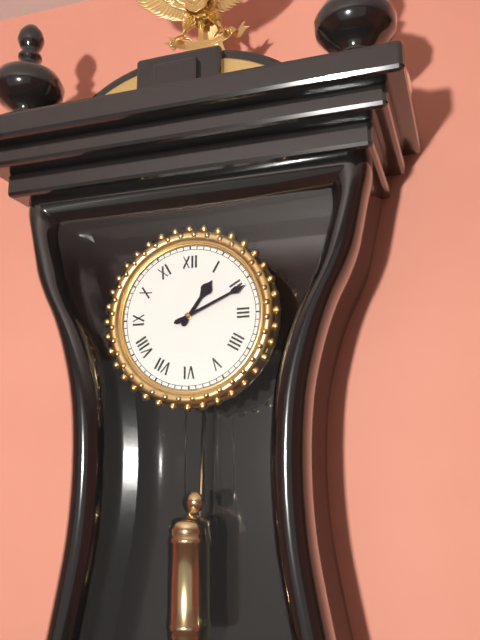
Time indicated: 1:11
